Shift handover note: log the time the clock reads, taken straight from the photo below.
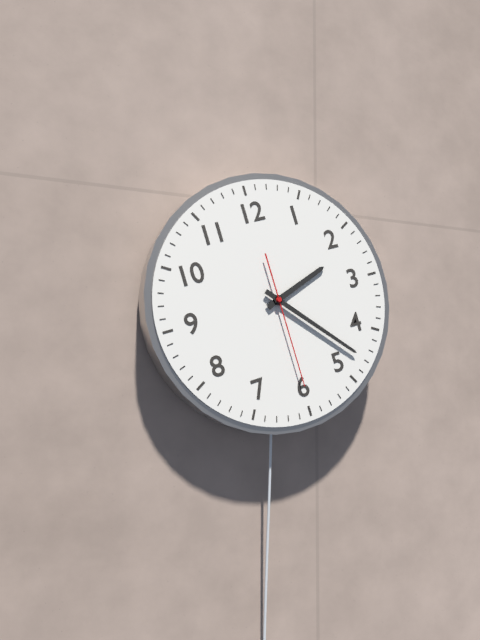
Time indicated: 2:23:30
